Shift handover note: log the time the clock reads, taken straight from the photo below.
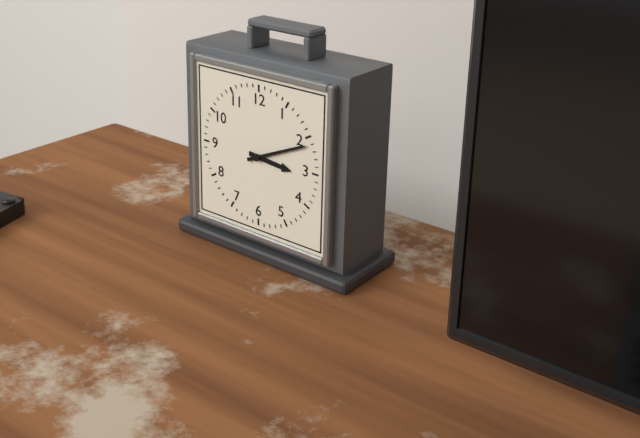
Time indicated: 3:11
